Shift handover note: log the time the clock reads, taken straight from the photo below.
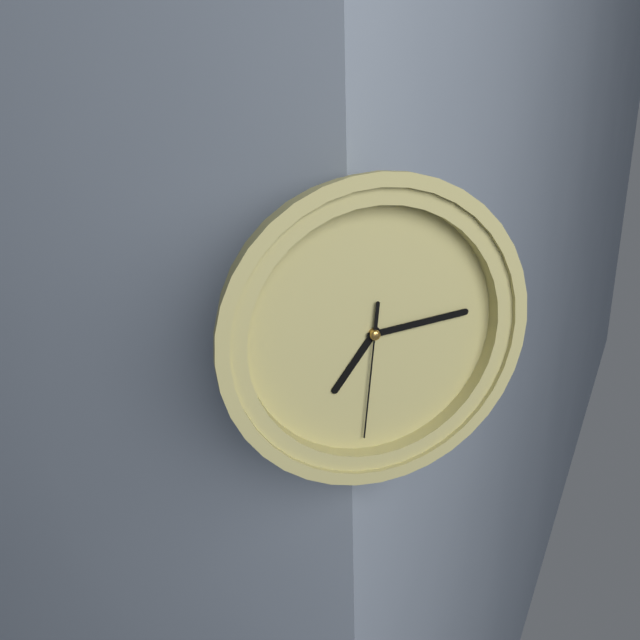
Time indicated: 7:14:31
